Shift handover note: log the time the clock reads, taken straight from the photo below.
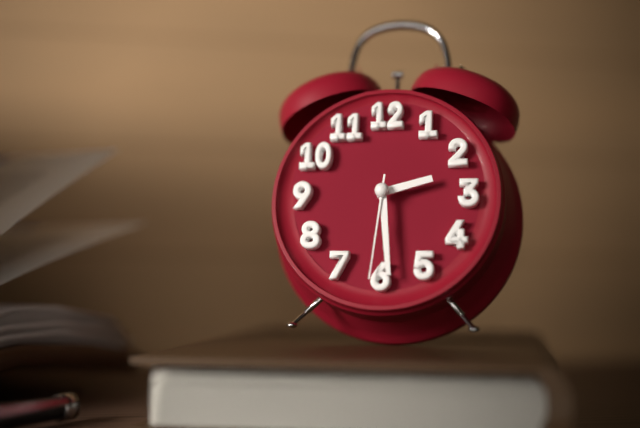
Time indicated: 2:29:31
